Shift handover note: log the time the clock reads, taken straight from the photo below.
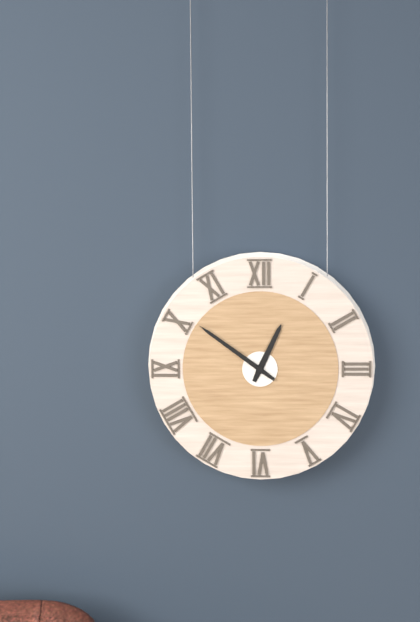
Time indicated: 12:51
